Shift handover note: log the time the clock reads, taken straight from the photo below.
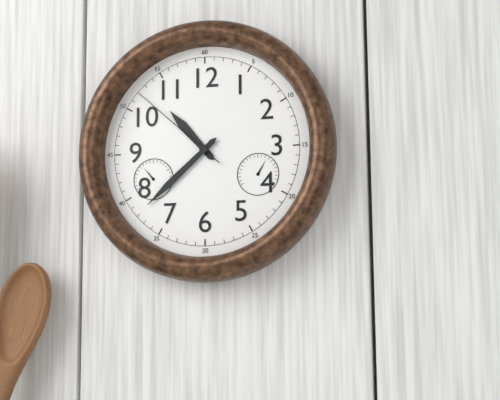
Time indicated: 10:38:52
